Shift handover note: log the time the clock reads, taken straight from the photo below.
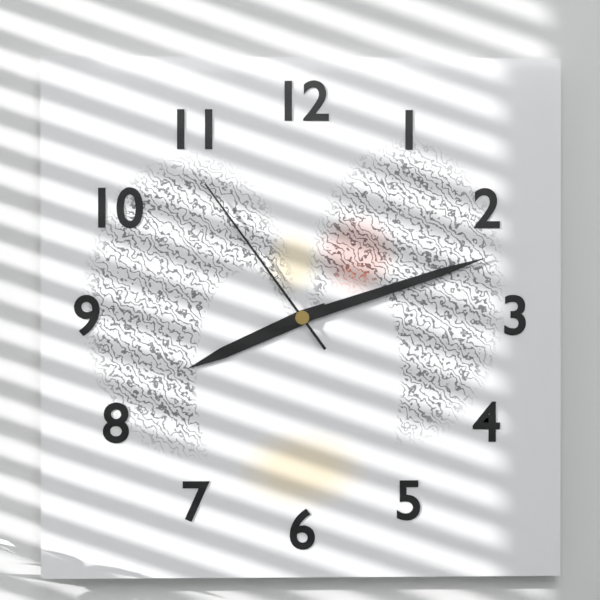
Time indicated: 8:12:54
